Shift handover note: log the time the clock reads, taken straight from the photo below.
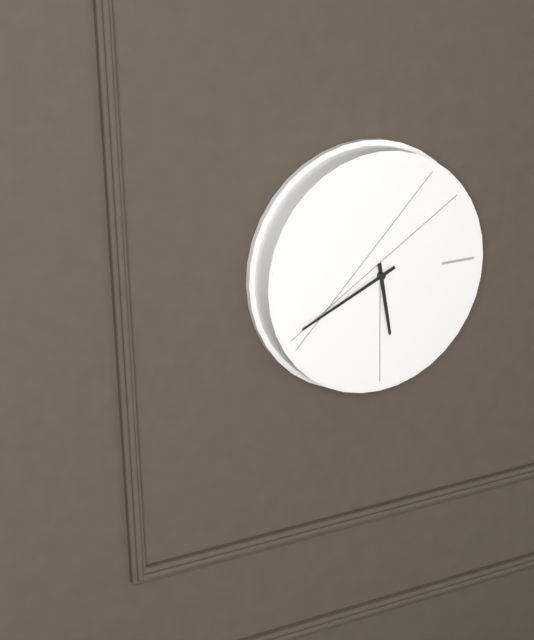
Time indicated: 5:41
